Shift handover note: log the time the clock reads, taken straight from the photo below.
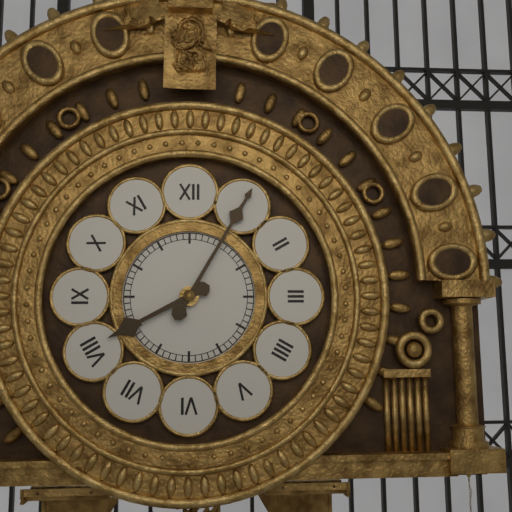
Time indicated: 8:05
